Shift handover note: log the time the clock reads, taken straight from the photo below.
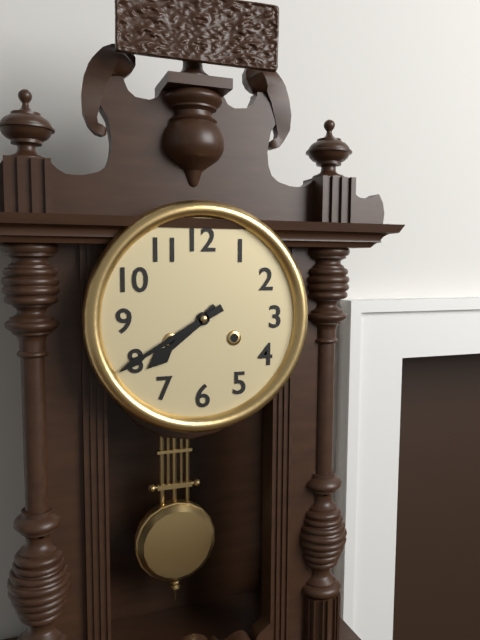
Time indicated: 7:40
